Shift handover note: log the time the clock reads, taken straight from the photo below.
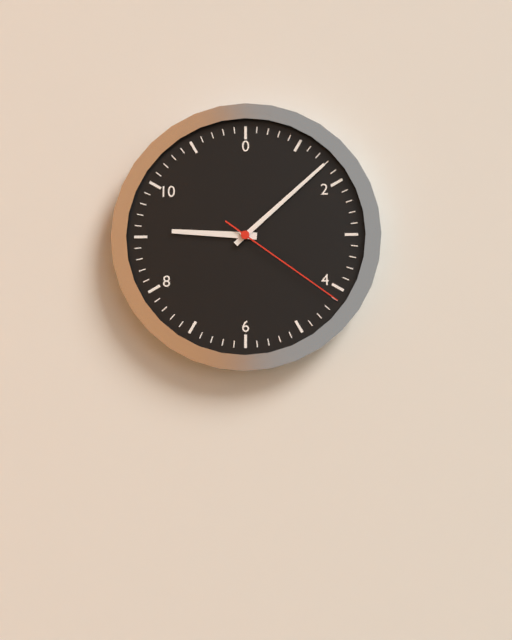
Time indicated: 9:08:21
